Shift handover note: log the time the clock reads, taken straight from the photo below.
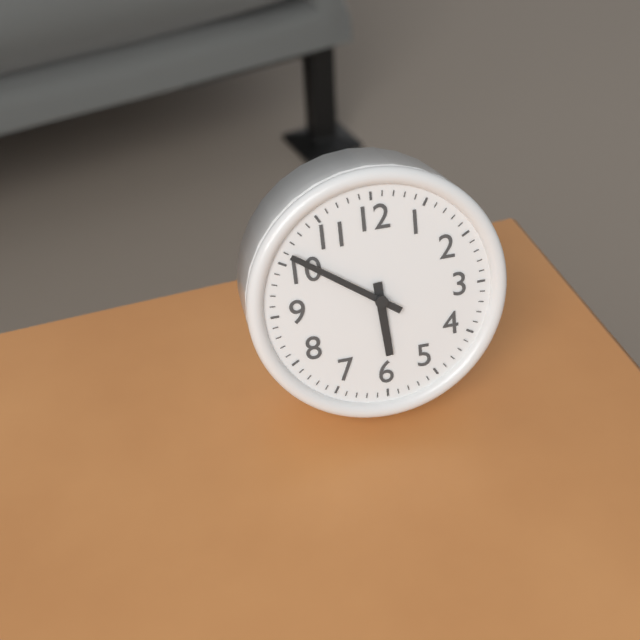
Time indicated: 5:51
